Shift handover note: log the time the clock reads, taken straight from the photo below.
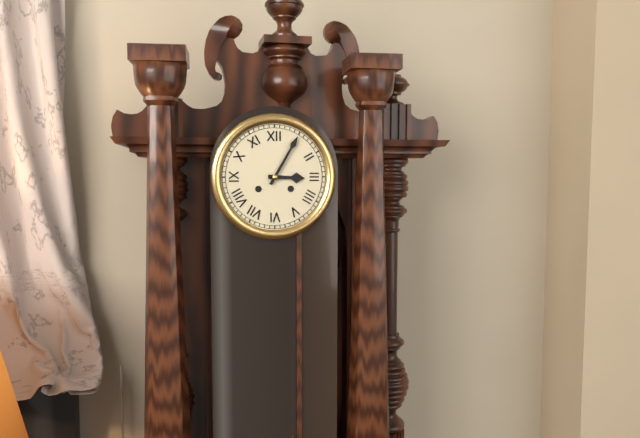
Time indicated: 3:05
